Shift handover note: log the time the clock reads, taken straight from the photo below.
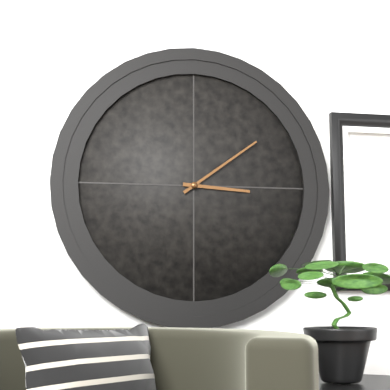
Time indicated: 3:09
